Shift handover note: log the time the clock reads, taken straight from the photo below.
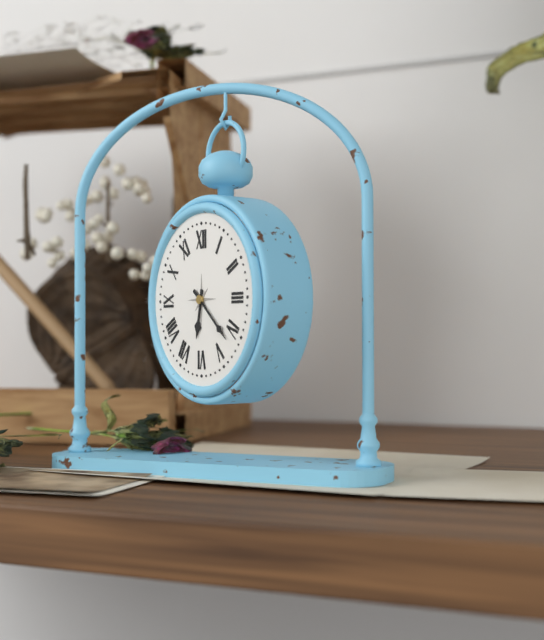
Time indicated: 6:22
